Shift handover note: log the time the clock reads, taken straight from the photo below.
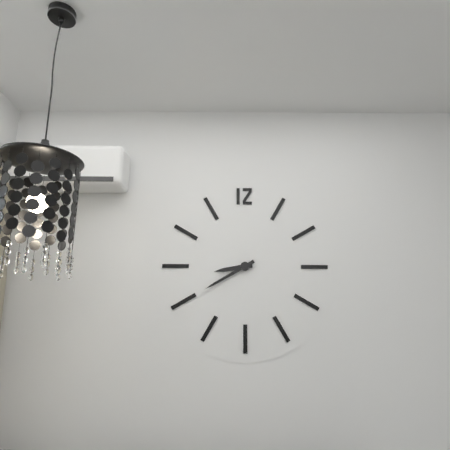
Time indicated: 8:40
